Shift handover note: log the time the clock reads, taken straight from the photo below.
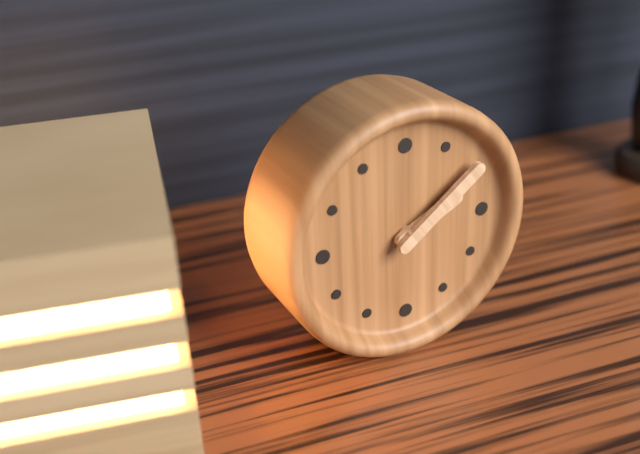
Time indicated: 2:09
